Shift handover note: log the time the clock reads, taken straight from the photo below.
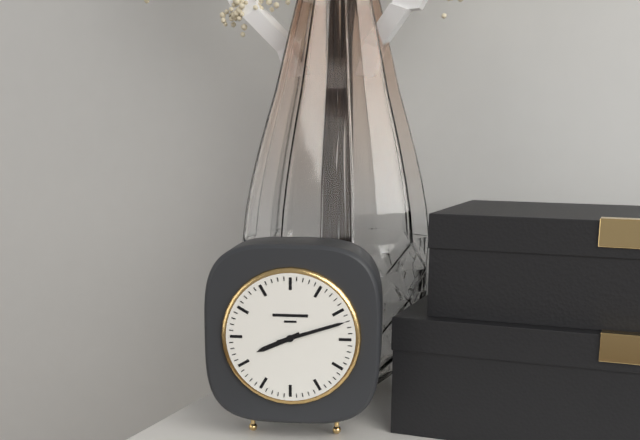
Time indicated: 8:12
